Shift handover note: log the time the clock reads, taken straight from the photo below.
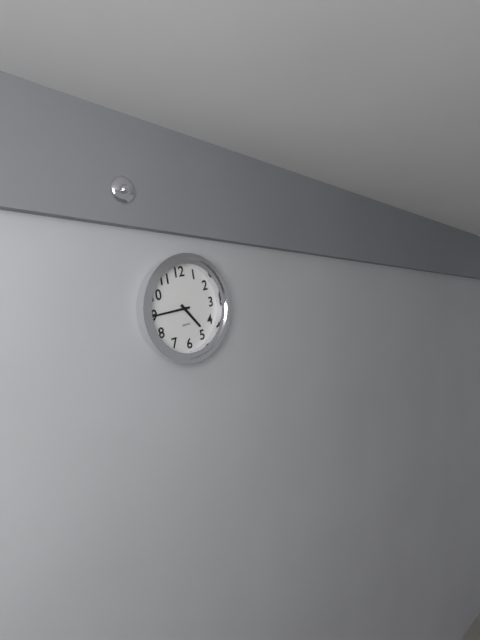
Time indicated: 4:45
